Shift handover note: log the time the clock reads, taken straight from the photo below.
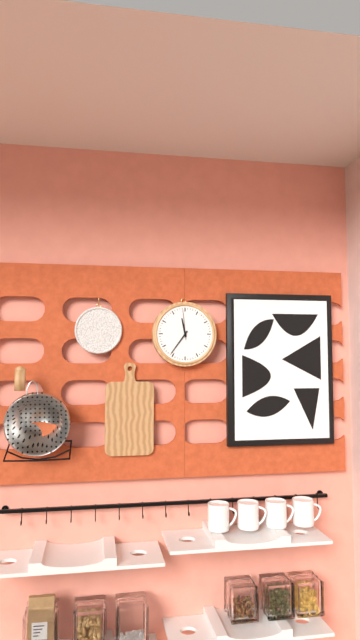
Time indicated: 11:36
